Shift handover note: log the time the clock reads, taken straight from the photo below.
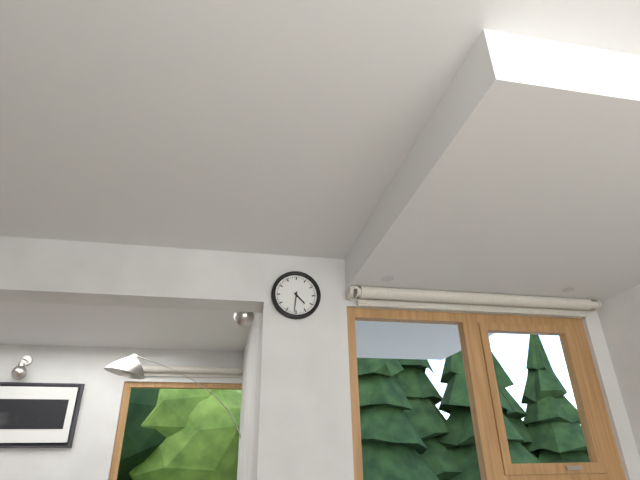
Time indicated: 4:31
